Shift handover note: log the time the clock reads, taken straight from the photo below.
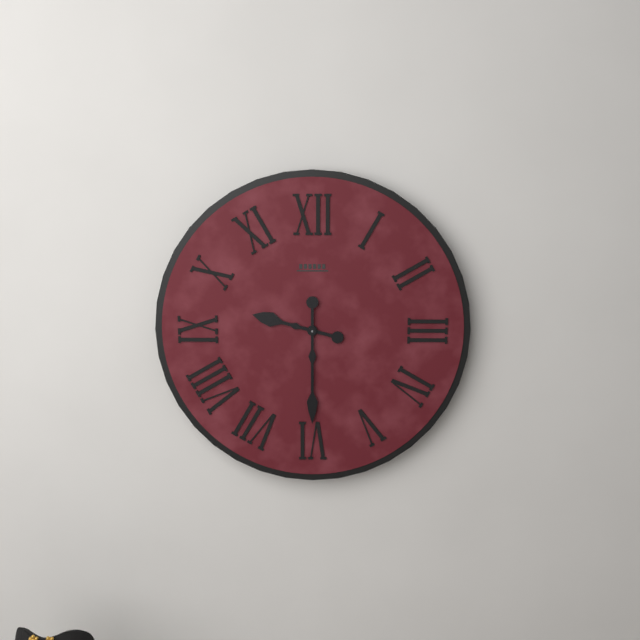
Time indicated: 9:30
